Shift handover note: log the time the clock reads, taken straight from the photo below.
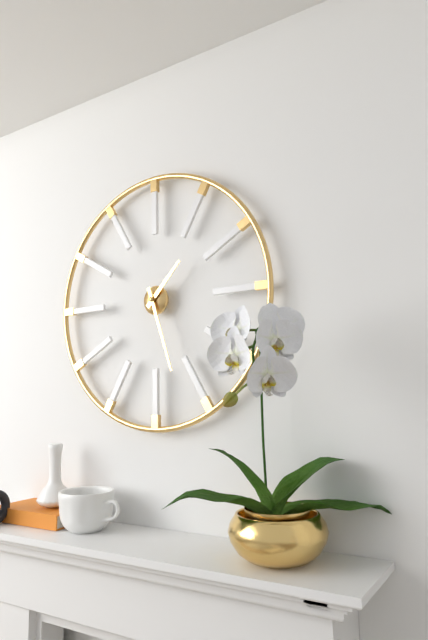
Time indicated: 1:27
